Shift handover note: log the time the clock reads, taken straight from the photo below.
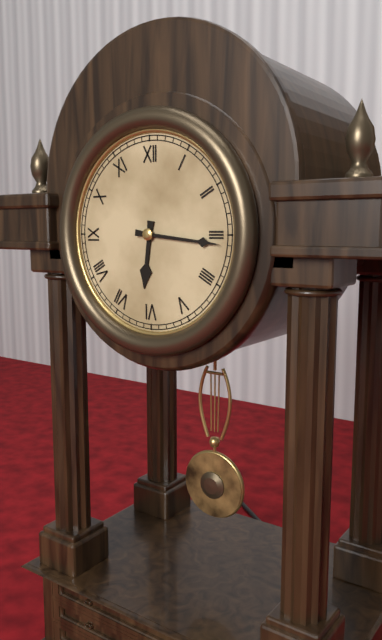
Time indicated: 6:16
